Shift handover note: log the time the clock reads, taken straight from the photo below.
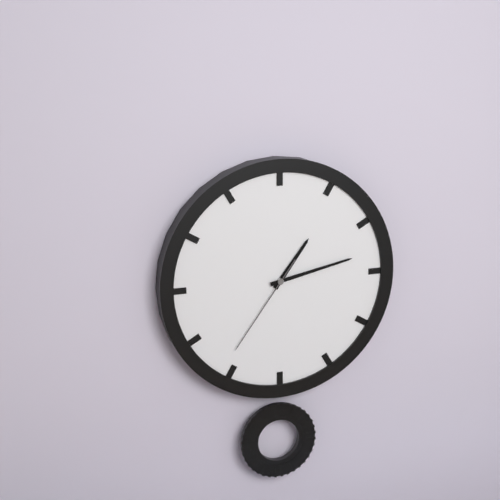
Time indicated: 1:13:36
